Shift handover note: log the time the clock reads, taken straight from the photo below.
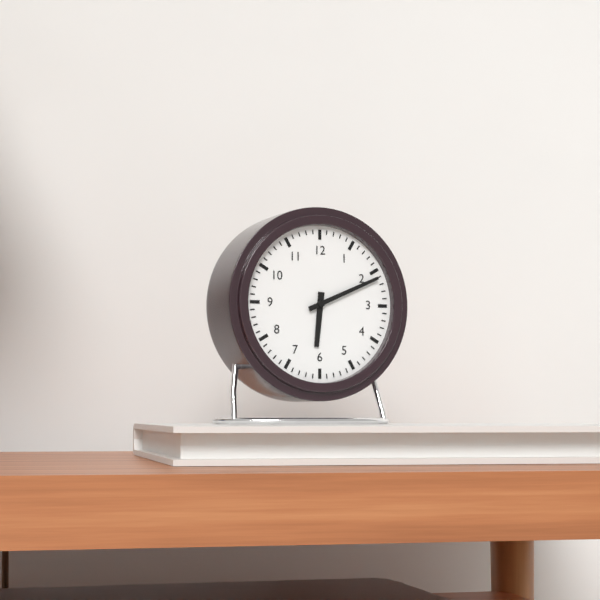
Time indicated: 6:11
